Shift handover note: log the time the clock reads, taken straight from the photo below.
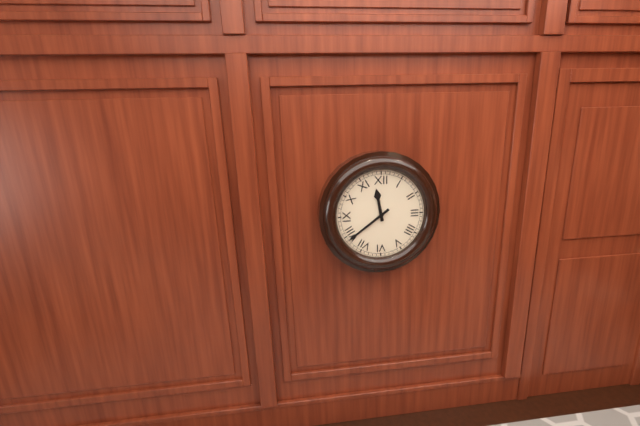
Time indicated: 11:39
